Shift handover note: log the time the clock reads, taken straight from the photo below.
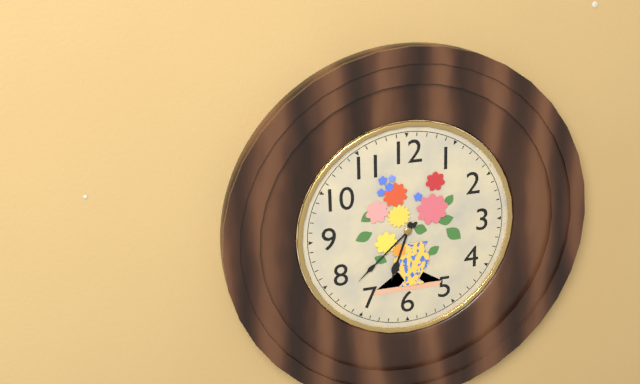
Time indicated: 6:38
